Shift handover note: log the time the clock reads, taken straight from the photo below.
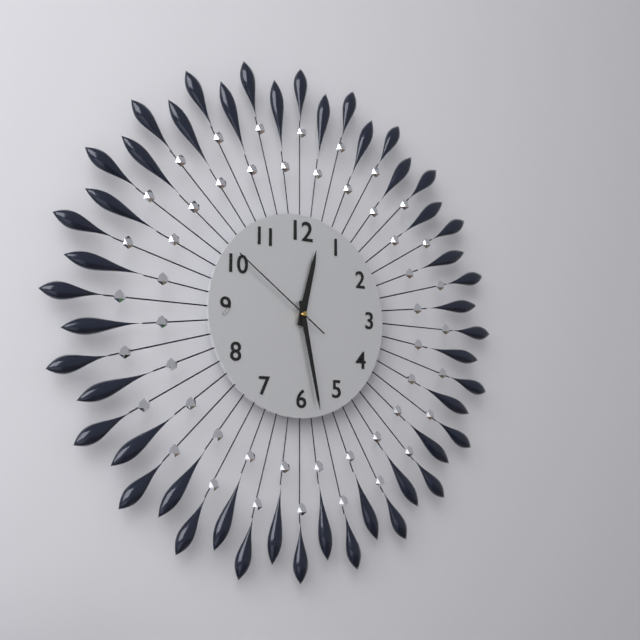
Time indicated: 12:28:51
